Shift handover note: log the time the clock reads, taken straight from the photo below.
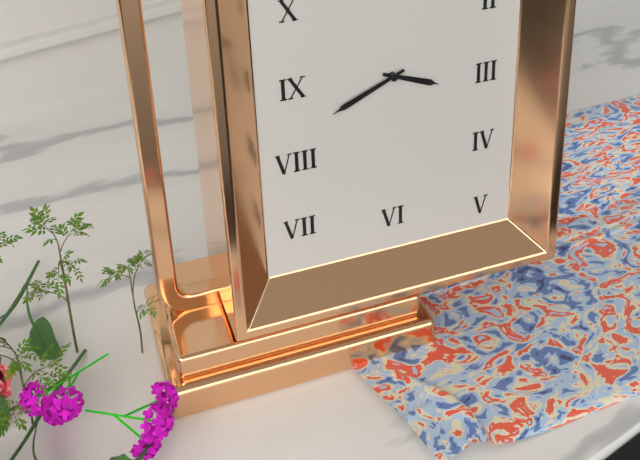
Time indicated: 3:41
